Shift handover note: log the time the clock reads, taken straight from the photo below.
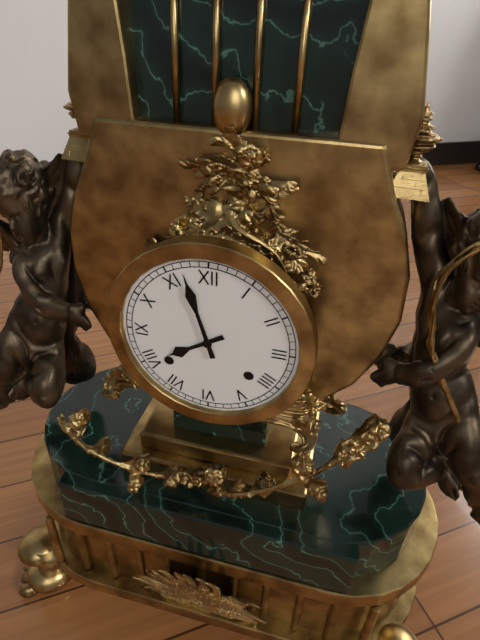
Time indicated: 7:57
